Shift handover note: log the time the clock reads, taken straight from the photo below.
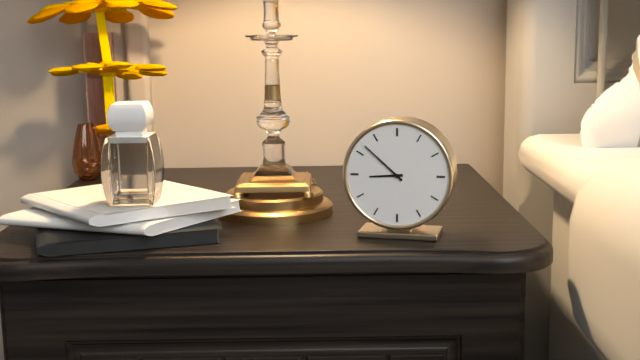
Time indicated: 8:52
